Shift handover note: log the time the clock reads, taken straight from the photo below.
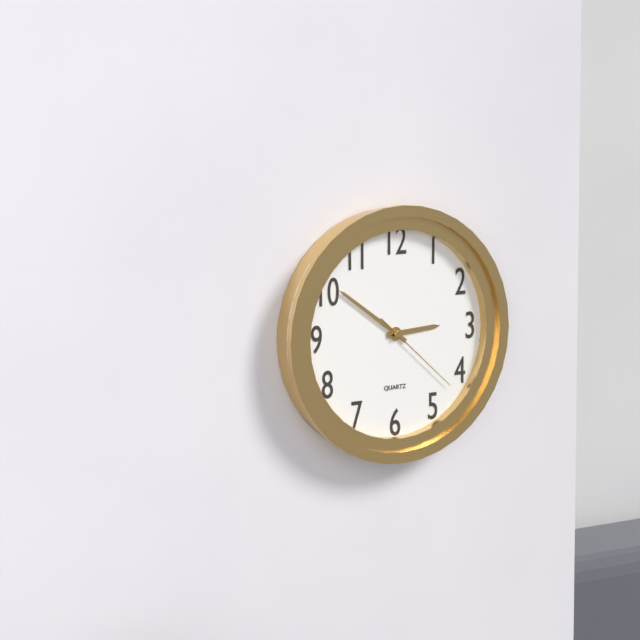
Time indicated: 2:51:22
